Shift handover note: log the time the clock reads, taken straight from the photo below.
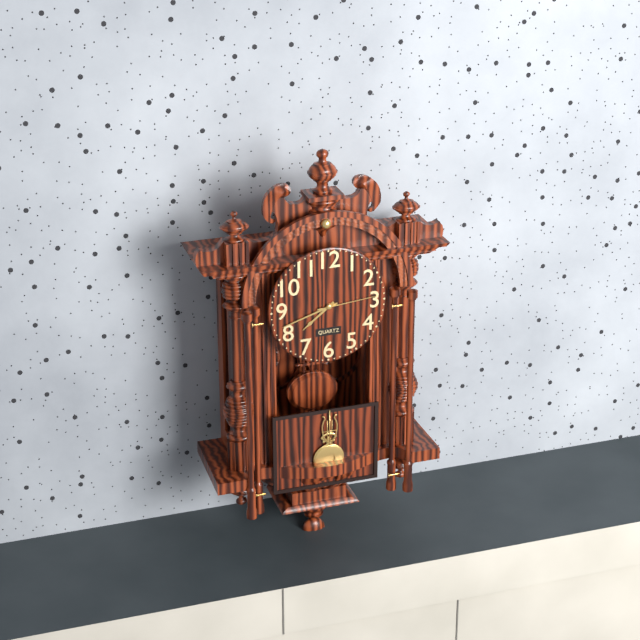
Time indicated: 7:42:14
